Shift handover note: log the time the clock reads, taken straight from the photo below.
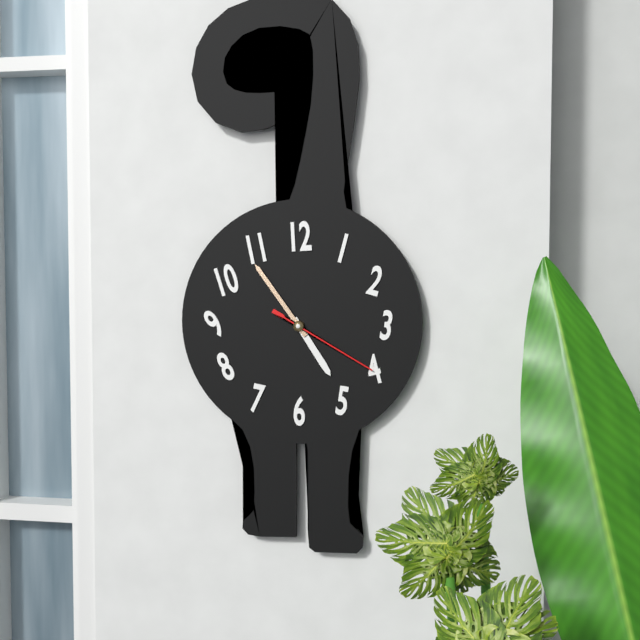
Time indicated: 4:54:20
